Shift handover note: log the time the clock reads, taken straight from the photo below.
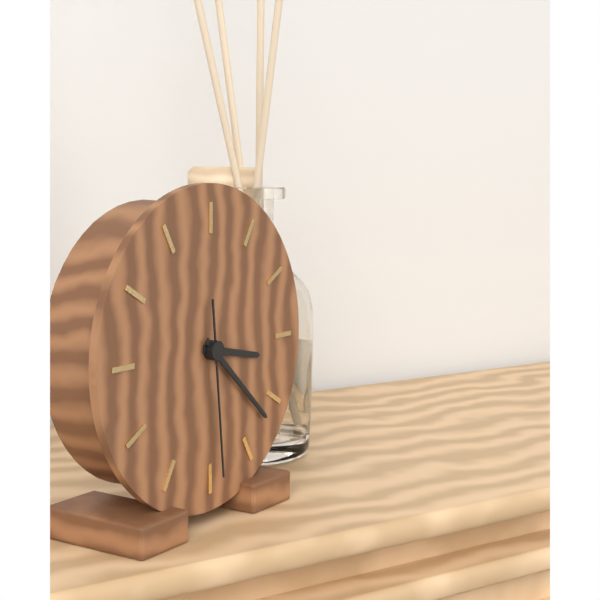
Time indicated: 3:22:29
